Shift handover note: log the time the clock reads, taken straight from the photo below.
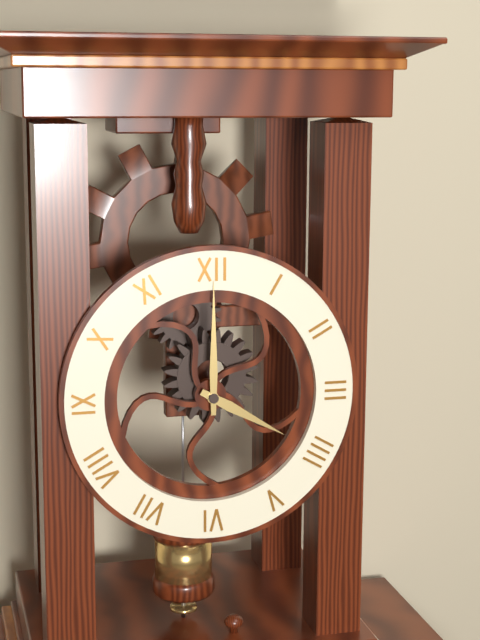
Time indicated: 4:00
